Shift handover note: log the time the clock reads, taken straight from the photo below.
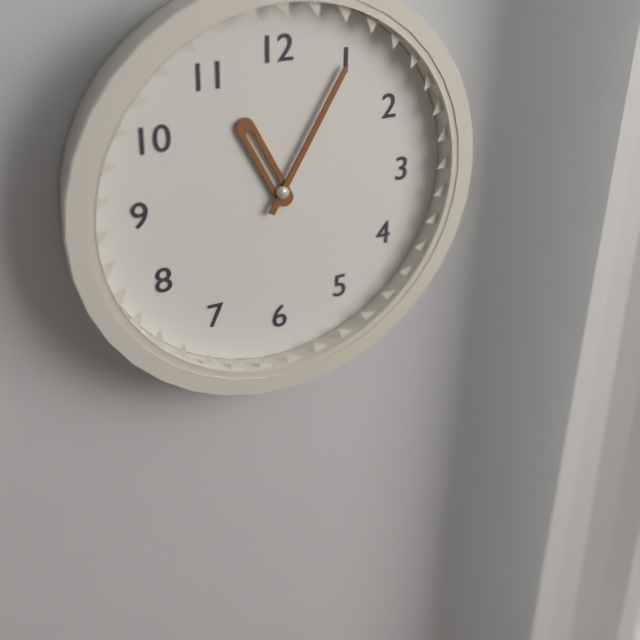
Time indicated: 11:05
